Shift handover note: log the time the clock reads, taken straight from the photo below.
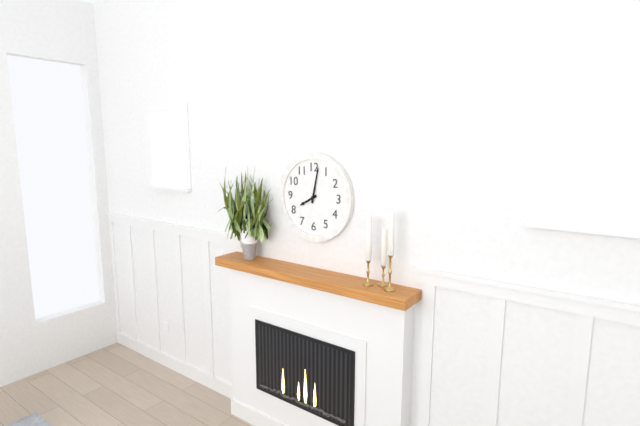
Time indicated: 8:02
